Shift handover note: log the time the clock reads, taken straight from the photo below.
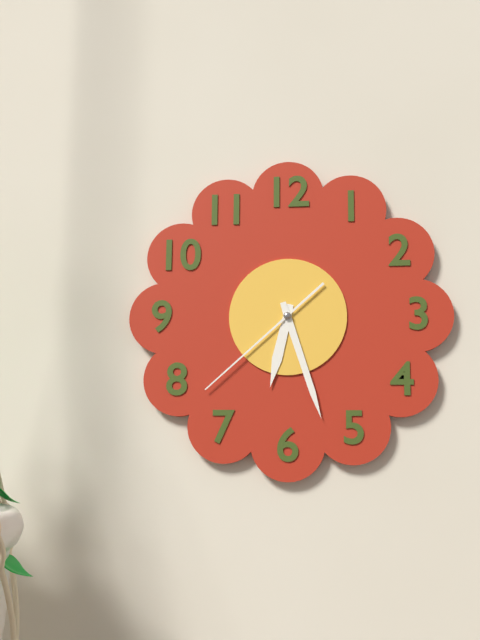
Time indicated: 6:27:38
